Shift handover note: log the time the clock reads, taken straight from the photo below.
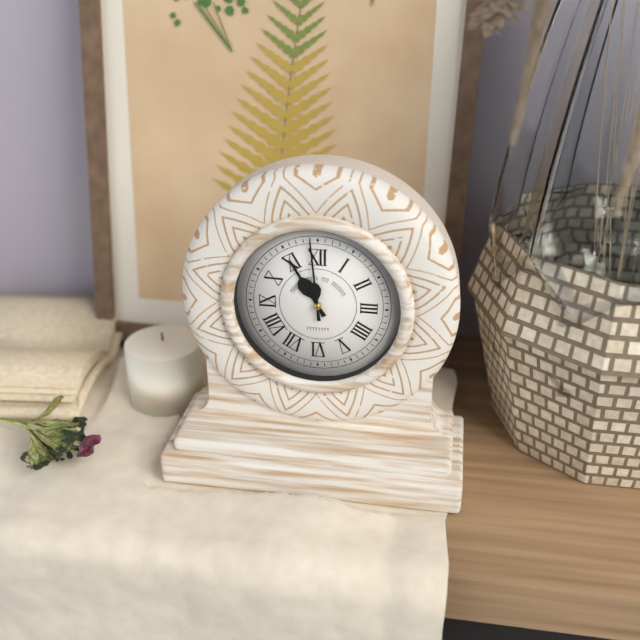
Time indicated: 10:59
